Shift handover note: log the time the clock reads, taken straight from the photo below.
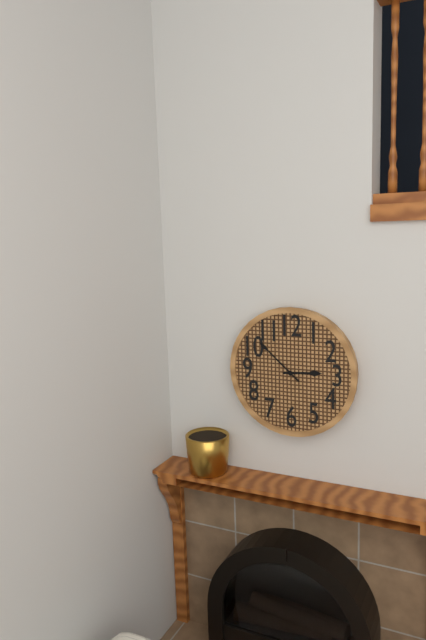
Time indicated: 2:52
